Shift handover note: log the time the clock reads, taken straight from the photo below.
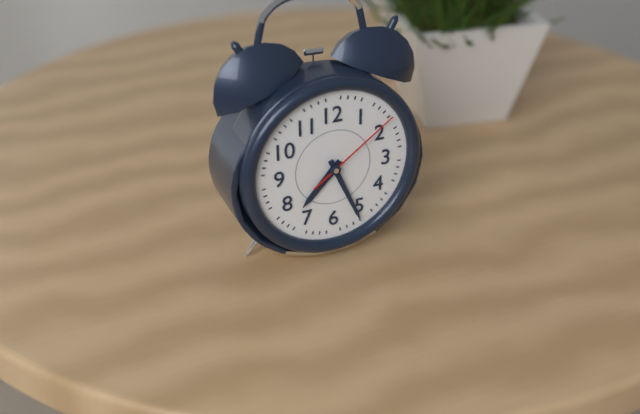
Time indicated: 7:26:09
